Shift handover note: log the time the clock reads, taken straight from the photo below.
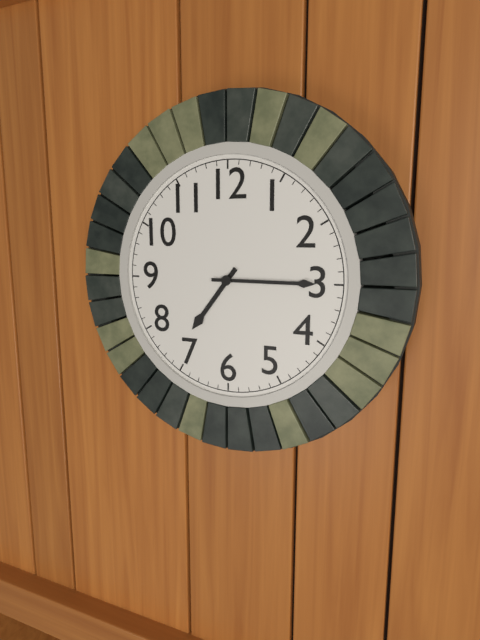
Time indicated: 7:15
